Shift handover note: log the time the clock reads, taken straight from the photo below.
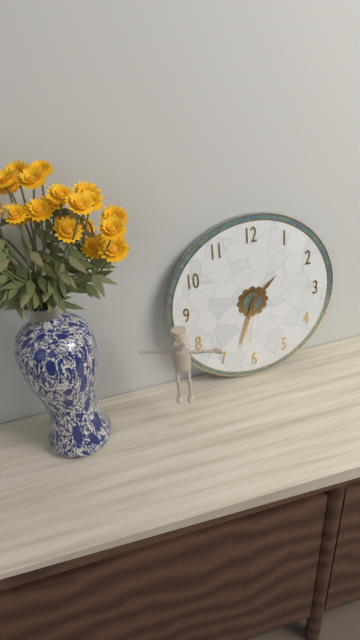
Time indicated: 1:33:31
